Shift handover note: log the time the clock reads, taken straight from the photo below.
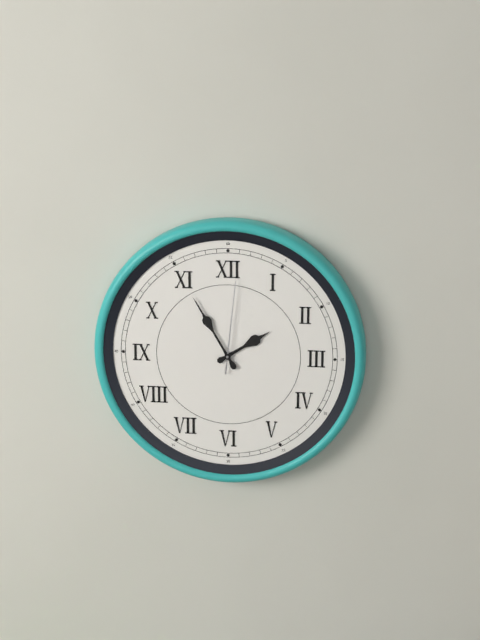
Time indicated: 1:55:01
